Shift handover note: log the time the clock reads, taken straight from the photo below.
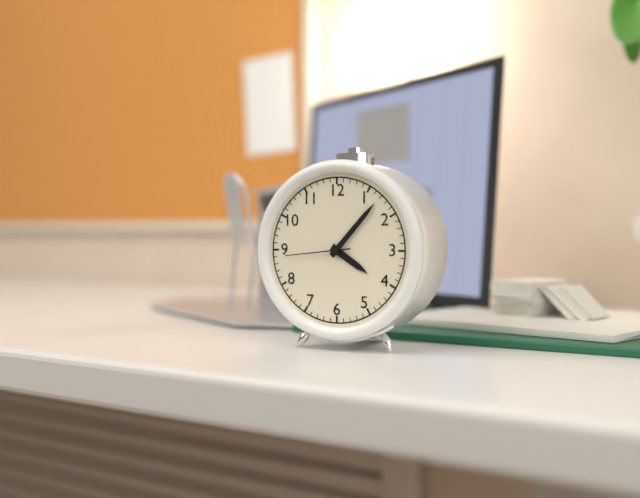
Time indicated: 4:07:44
